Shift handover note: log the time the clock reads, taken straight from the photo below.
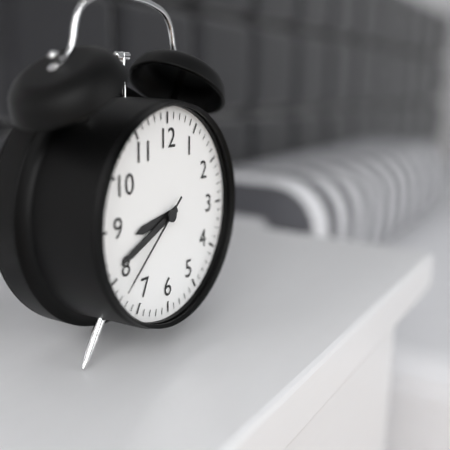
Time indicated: 8:41:38
